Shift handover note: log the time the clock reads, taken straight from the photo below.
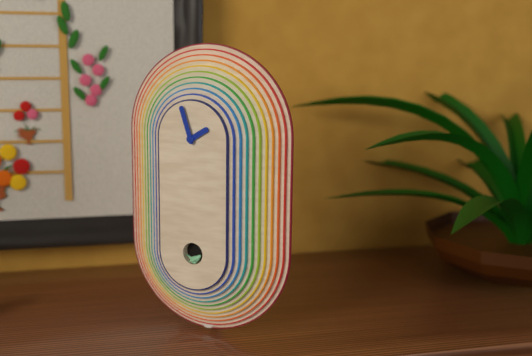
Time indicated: 1:57
